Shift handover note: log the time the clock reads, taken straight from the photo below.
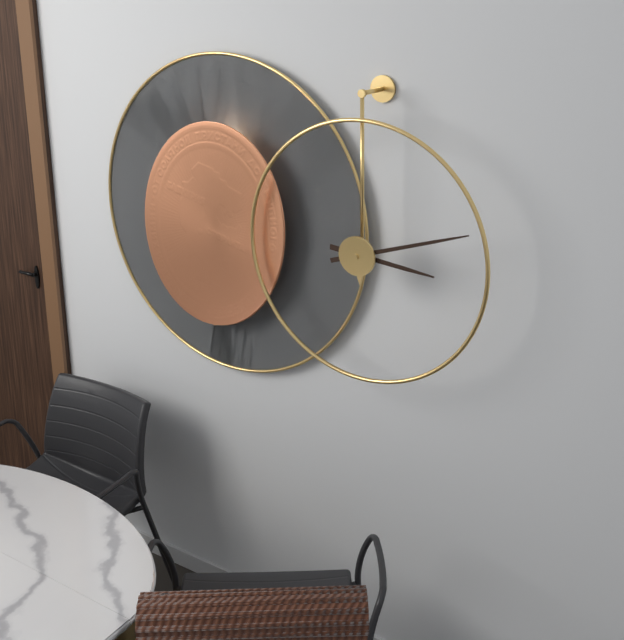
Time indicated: 3:12
